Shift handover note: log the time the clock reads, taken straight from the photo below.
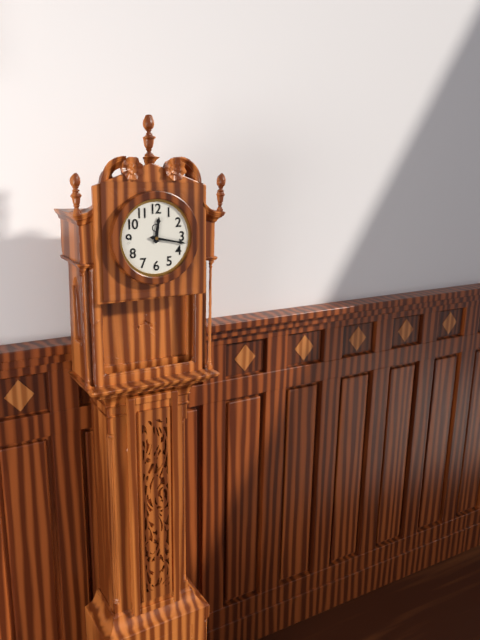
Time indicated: 12:17
